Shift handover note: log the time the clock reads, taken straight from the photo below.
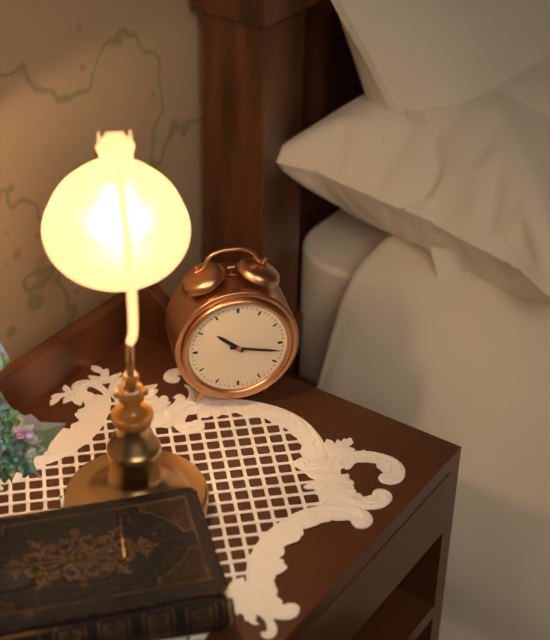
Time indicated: 10:17
